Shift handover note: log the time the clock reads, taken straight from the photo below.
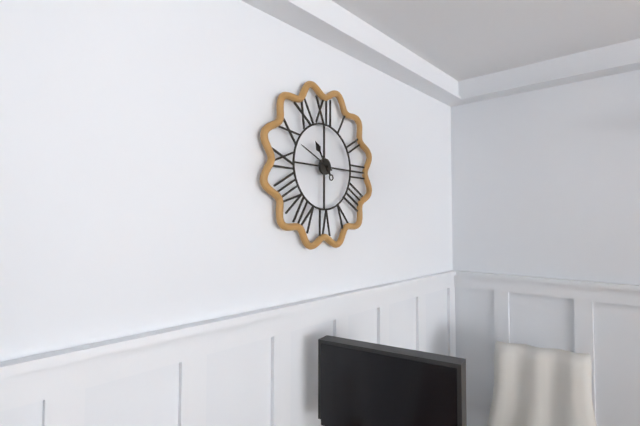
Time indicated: 10:49
